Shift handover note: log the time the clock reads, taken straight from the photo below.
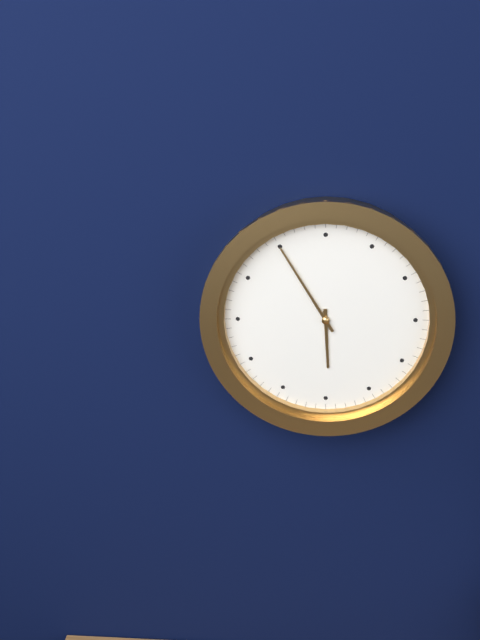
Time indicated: 5:55
